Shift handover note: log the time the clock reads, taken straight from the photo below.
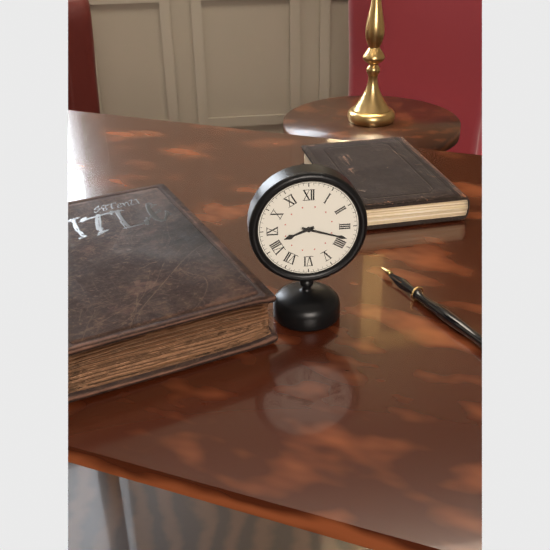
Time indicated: 8:18
